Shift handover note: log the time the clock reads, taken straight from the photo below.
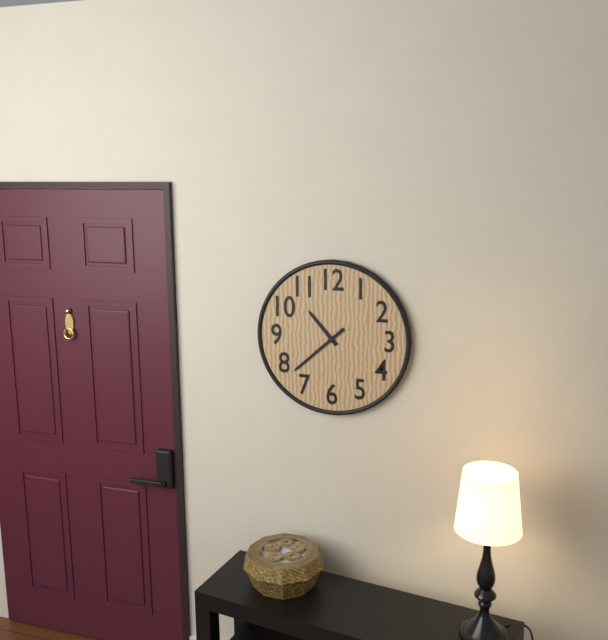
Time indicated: 10:38
